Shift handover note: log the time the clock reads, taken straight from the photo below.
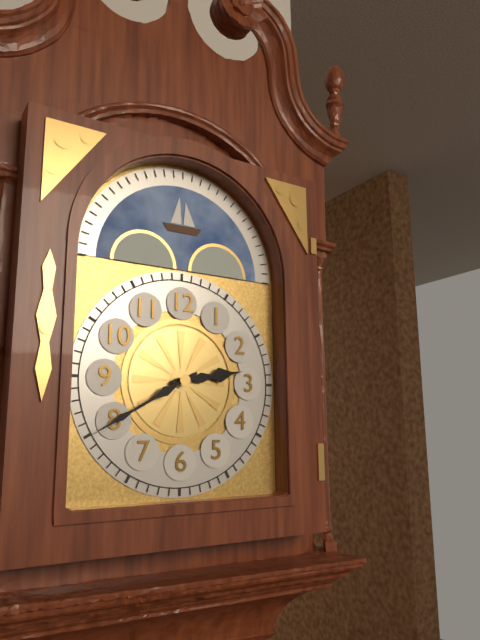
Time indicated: 2:40
